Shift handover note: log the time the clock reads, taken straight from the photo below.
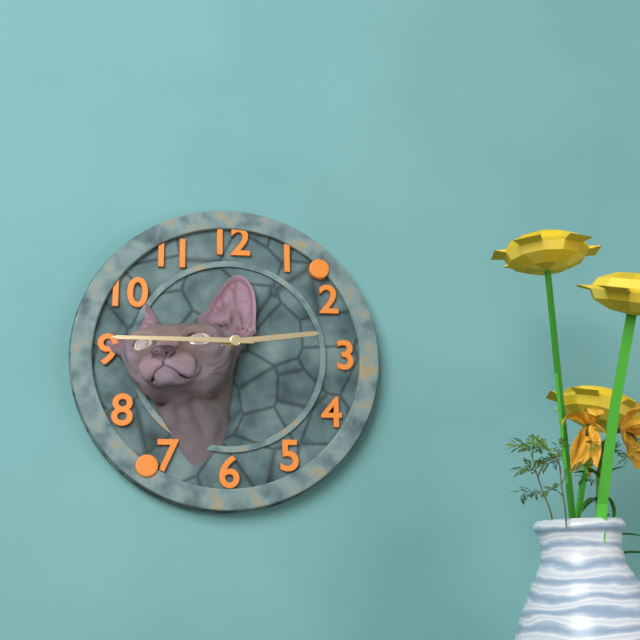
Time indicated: 2:45
